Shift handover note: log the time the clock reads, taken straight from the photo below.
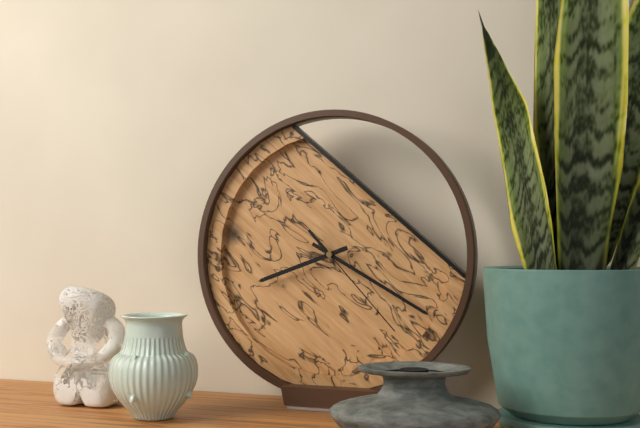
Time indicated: 8:20:23
